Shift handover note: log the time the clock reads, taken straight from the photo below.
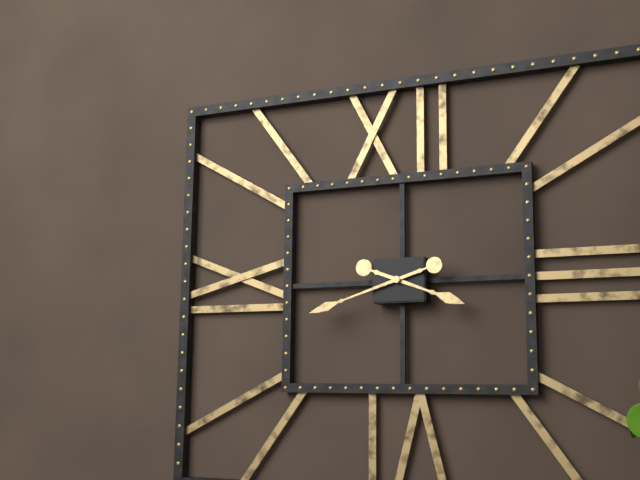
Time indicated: 3:42
